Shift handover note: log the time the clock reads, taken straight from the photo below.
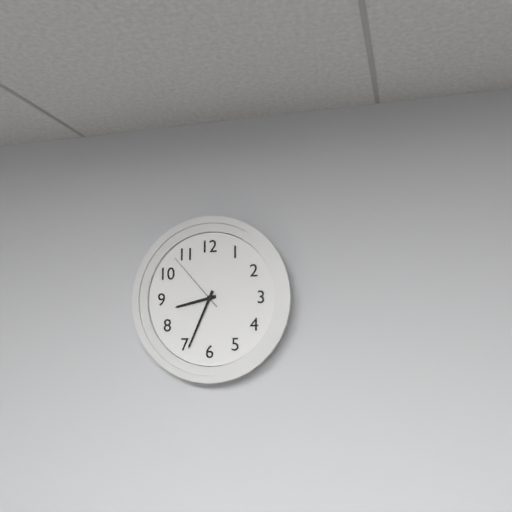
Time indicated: 8:34:53
